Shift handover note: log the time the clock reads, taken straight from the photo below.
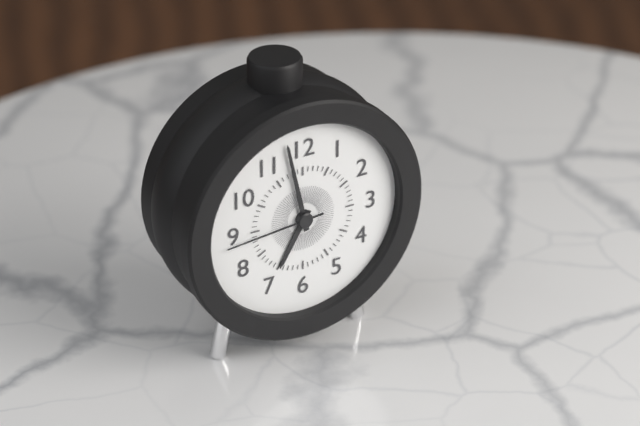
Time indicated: 6:58:44
